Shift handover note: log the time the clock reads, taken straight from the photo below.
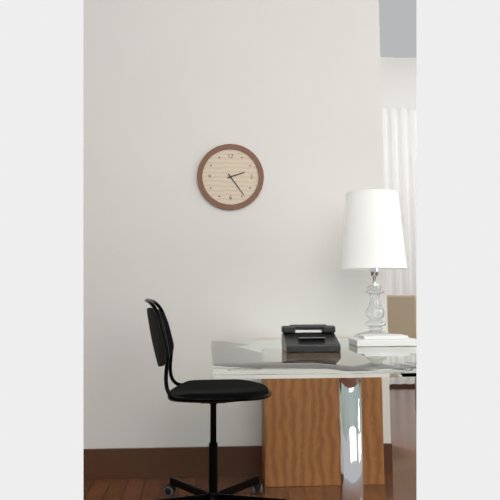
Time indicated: 2:24
